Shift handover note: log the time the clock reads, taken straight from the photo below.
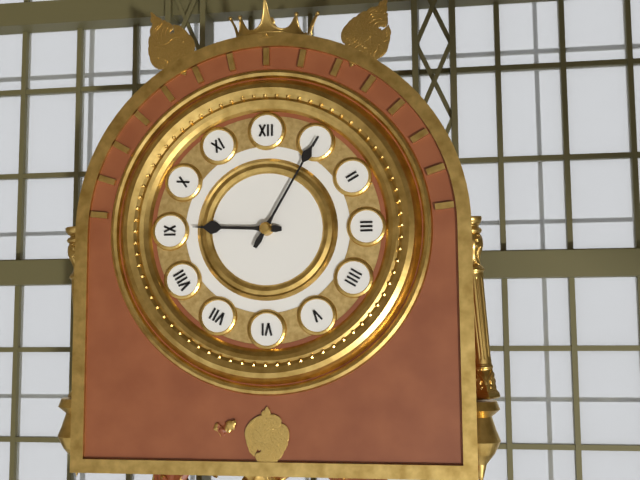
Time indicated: 9:05
